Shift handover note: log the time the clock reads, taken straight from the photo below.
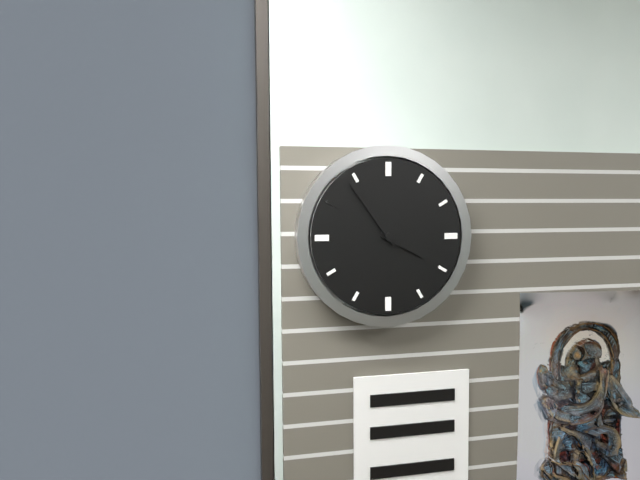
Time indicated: 3:54
